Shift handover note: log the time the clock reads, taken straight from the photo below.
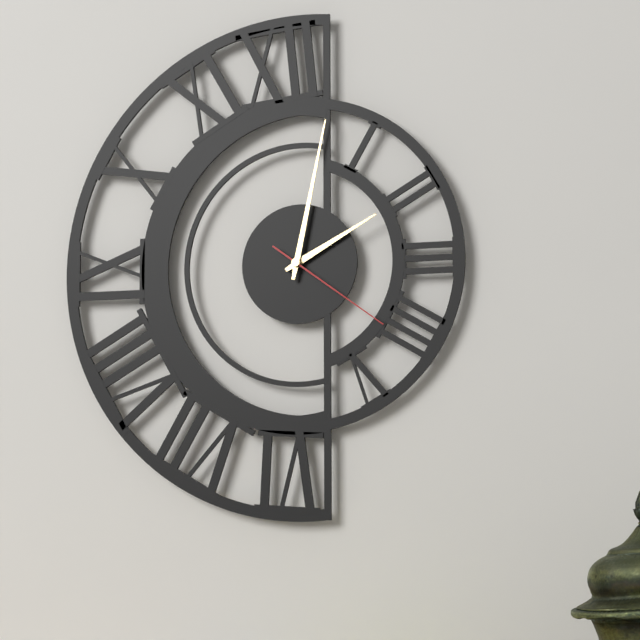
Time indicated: 2:02:21
